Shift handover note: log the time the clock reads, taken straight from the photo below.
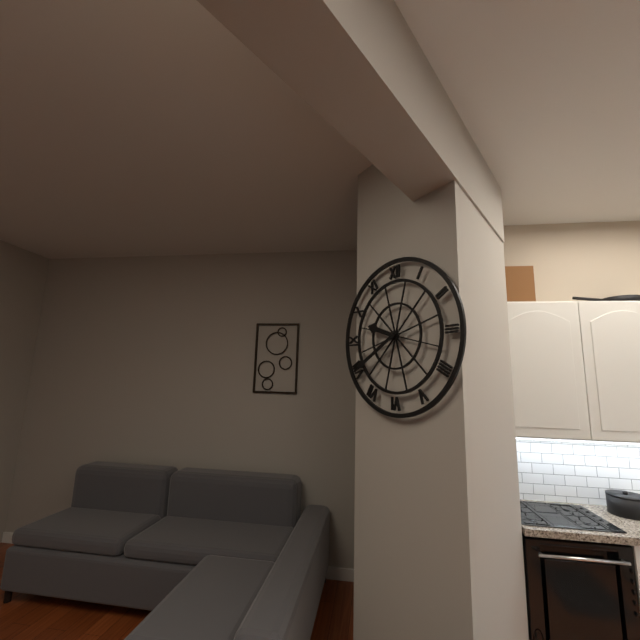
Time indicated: 9:40
